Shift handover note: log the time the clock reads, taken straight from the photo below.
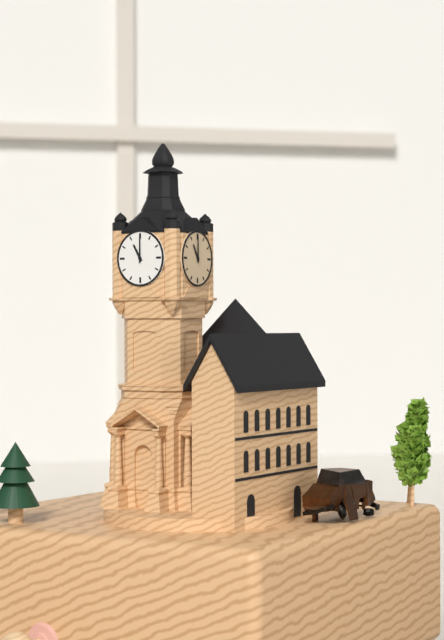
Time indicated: 11:00
